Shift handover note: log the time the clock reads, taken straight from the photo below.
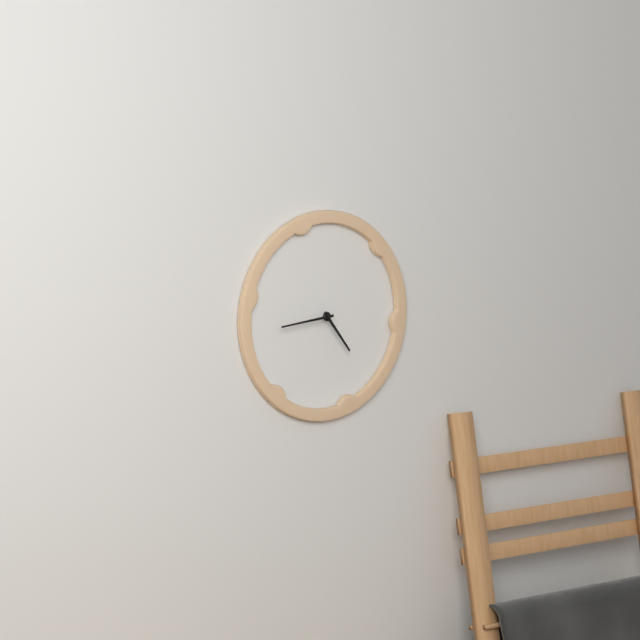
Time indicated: 4:44
